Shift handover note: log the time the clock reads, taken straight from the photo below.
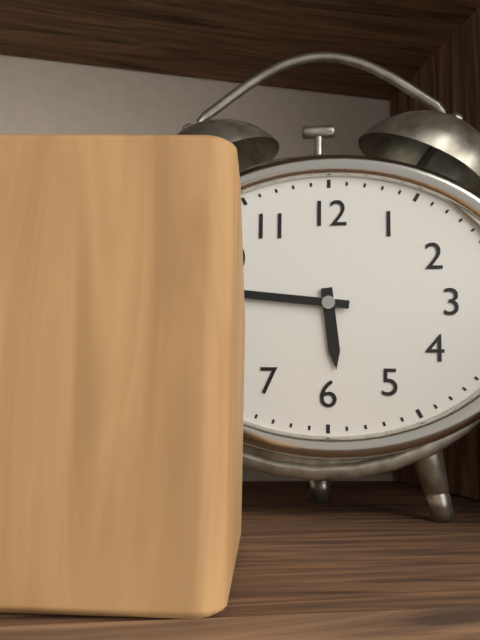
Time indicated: 5:46
